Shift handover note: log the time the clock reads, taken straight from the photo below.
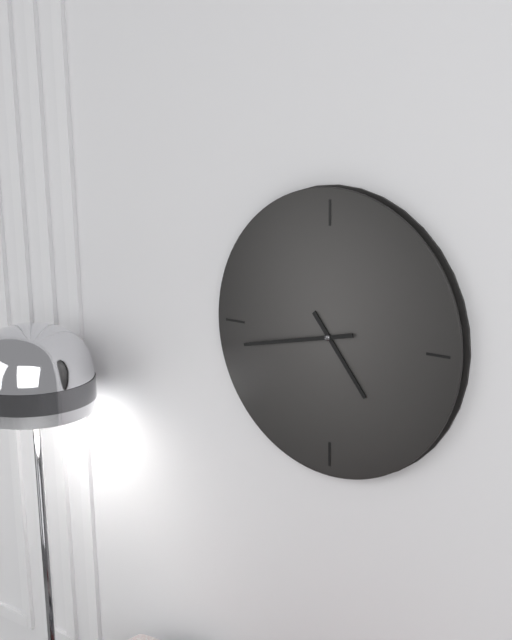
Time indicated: 4:43
